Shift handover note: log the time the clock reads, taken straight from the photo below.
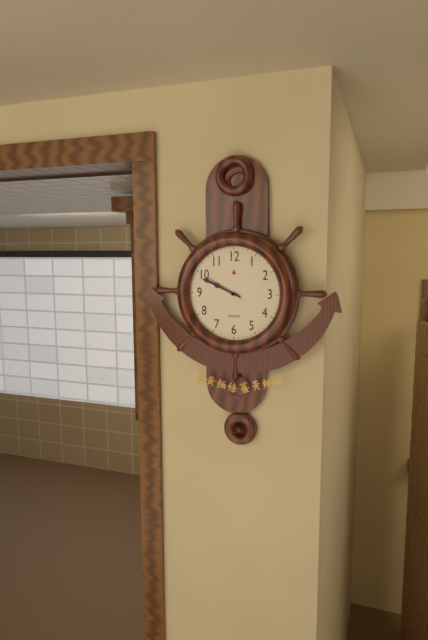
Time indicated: 9:49
